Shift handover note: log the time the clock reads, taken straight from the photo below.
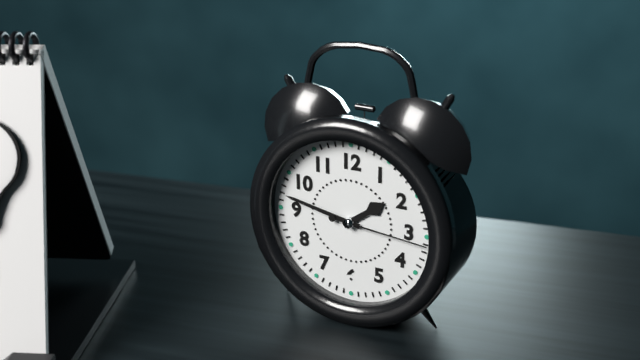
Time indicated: 1:47:16
